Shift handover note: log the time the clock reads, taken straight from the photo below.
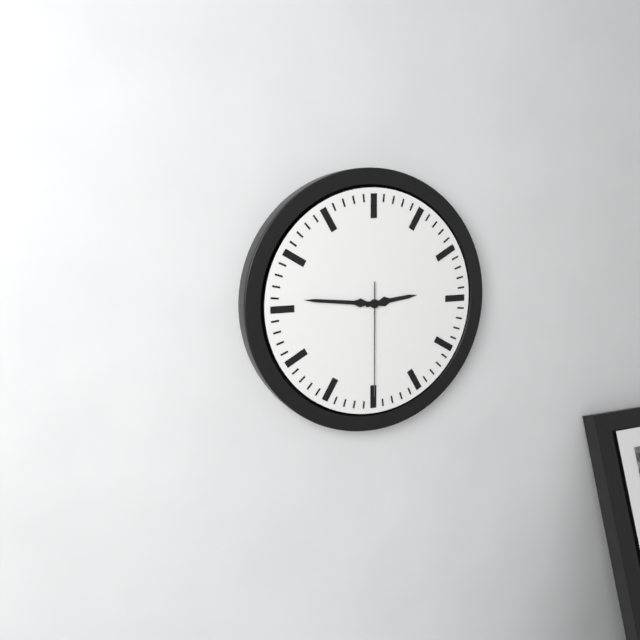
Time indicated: 2:46:30
